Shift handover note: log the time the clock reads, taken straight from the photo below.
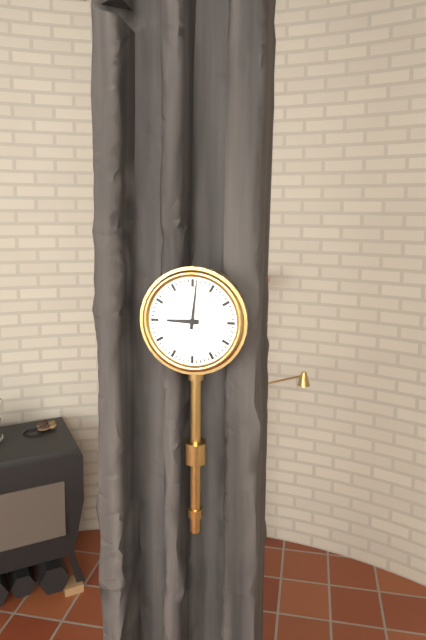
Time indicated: 9:01
